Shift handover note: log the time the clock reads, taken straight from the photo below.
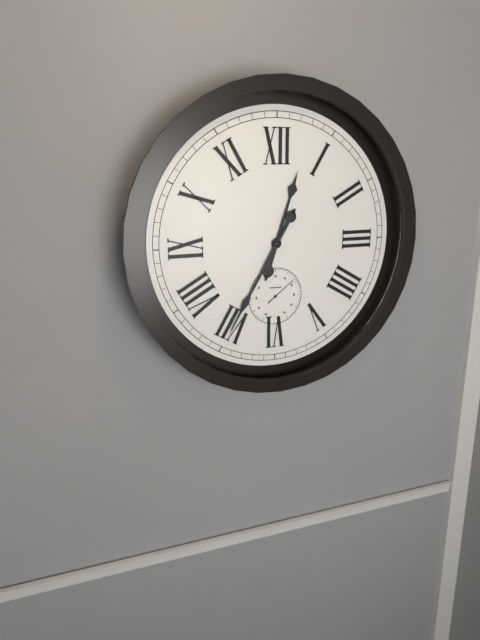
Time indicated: 12:35
